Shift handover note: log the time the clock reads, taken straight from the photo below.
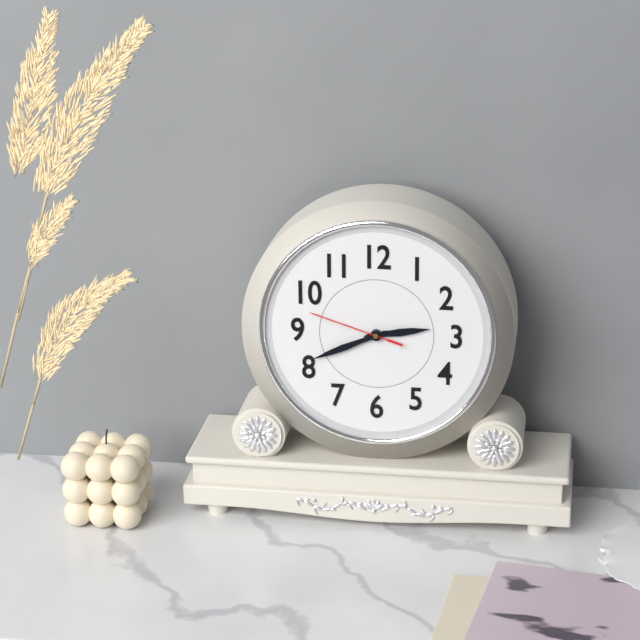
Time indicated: 2:41:48
